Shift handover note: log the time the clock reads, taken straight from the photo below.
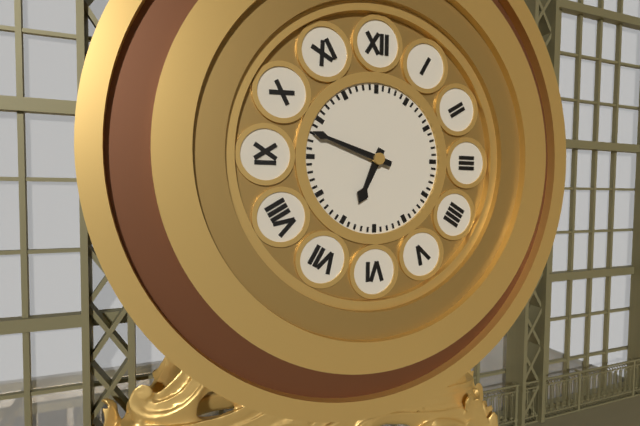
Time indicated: 6:48
